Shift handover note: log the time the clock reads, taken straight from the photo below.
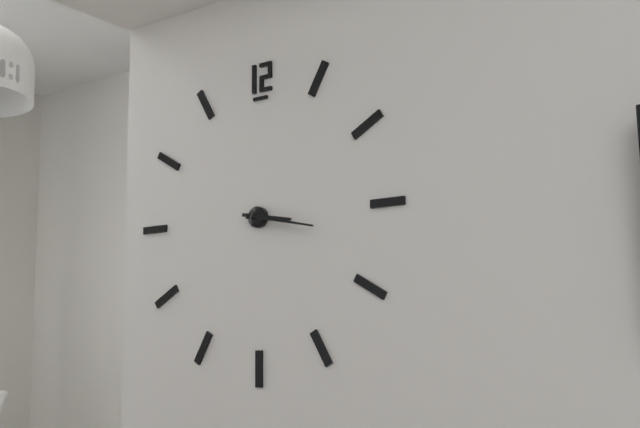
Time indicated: 3:17
